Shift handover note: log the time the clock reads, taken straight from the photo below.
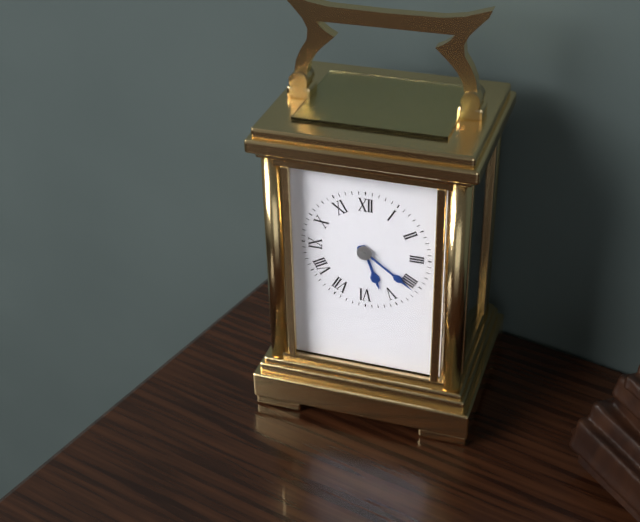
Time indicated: 5:21
